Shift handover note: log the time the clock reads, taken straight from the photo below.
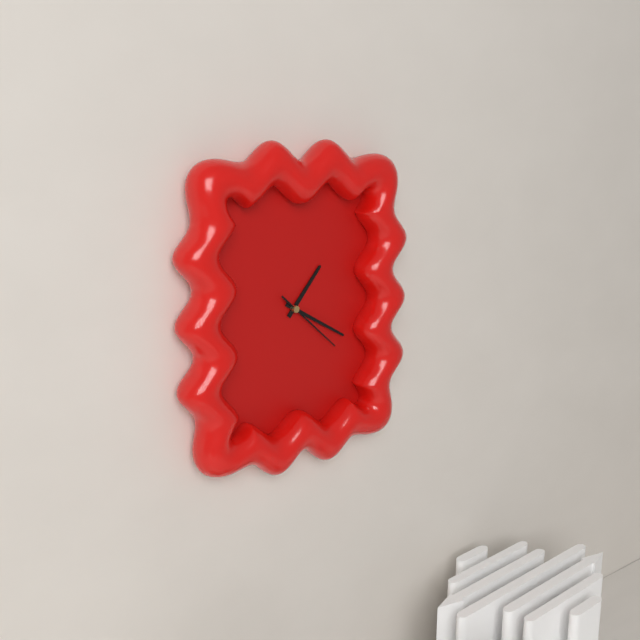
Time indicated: 1:20:22
